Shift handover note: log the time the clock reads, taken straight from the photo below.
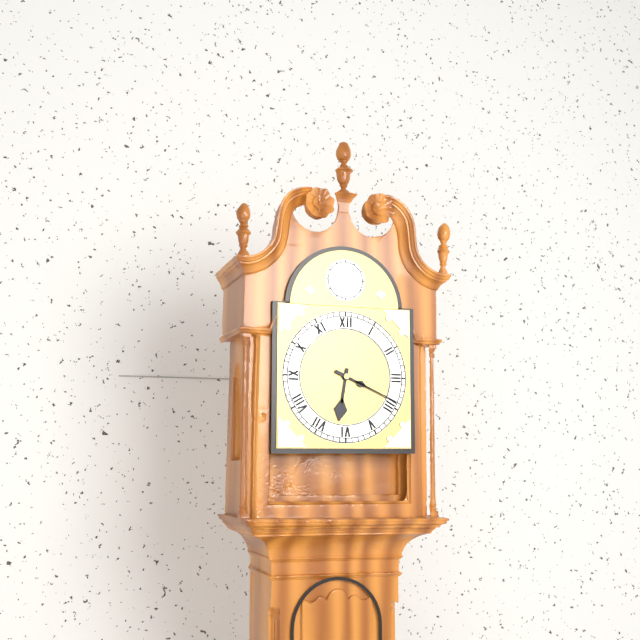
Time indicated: 6:19
